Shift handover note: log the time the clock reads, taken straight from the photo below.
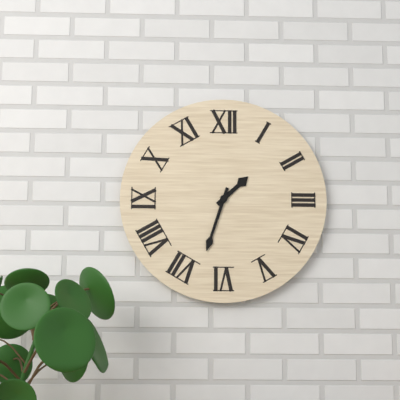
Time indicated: 1:33
